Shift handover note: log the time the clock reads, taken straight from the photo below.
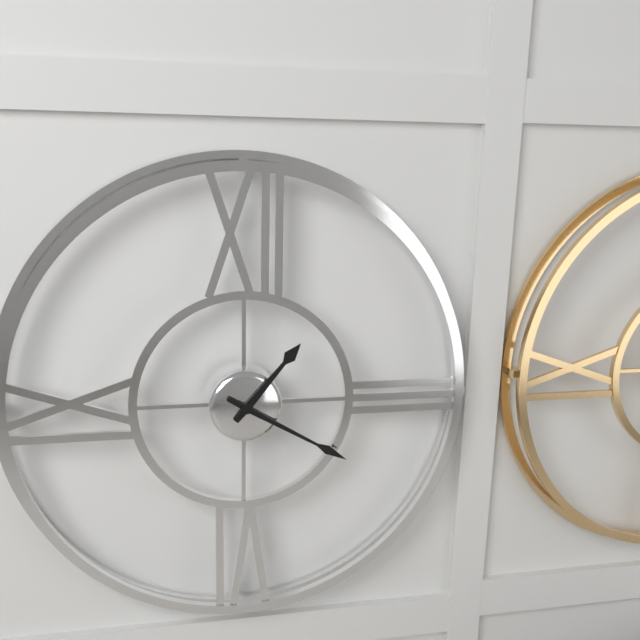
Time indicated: 1:20
